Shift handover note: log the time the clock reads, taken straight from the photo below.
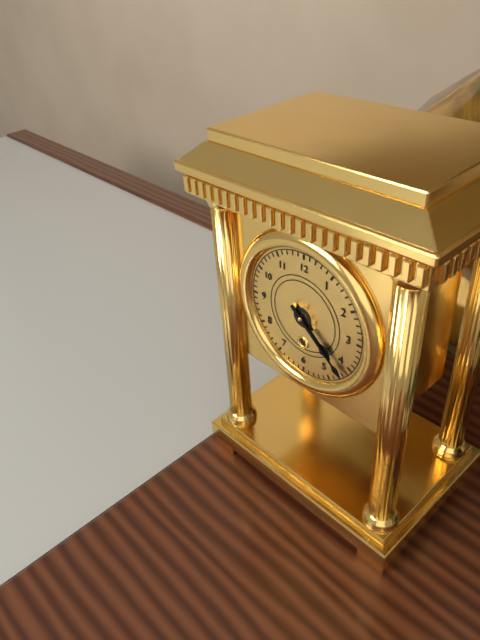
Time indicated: 4:22
